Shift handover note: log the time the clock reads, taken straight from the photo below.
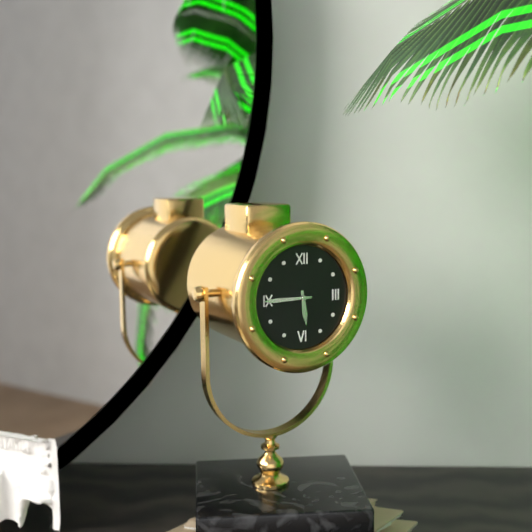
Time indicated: 5:45
